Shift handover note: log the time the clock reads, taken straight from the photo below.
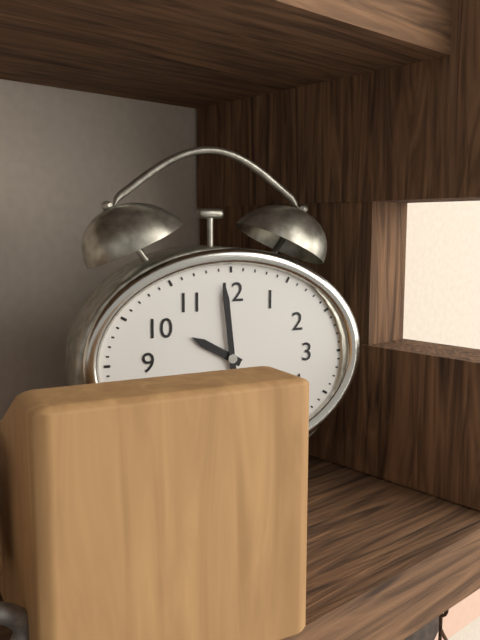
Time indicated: 9:59
